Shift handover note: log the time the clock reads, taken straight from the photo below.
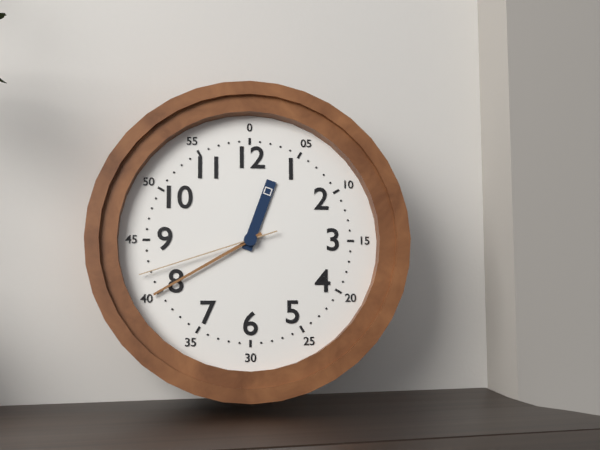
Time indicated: 12:40:42
